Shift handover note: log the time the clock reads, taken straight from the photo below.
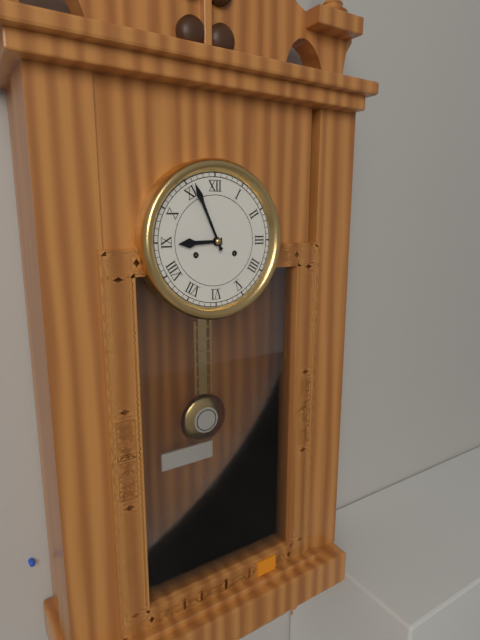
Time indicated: 8:56
